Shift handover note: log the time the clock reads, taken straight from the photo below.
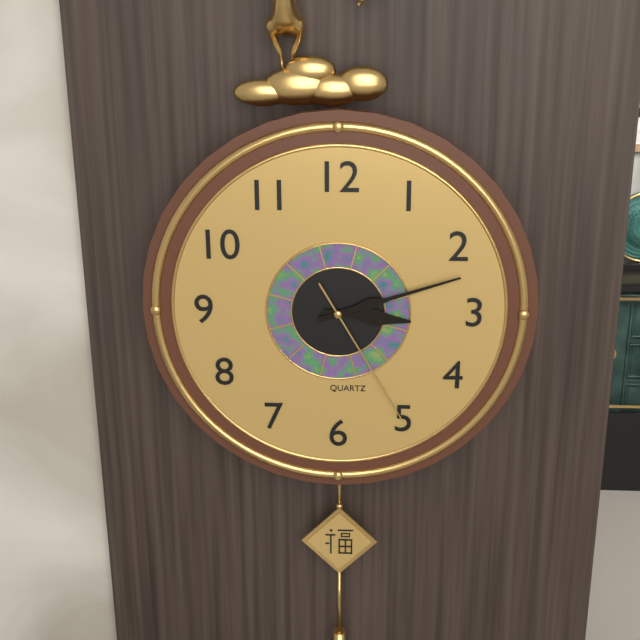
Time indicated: 3:12:25
